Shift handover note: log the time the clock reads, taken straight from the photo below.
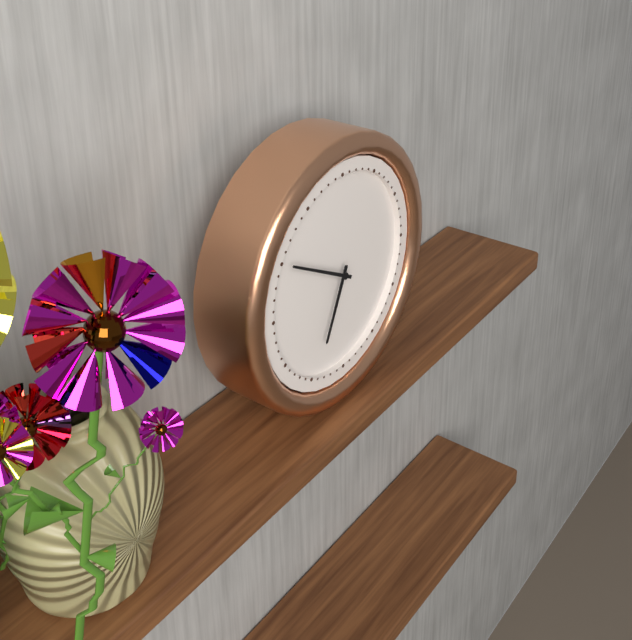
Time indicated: 6:50
